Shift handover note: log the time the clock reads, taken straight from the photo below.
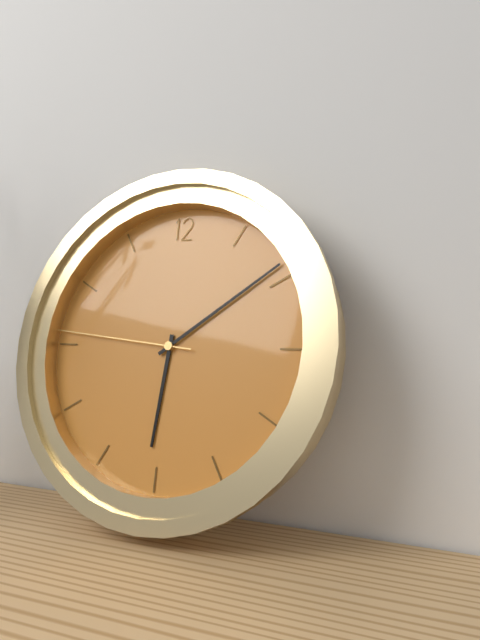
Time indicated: 6:09:46
